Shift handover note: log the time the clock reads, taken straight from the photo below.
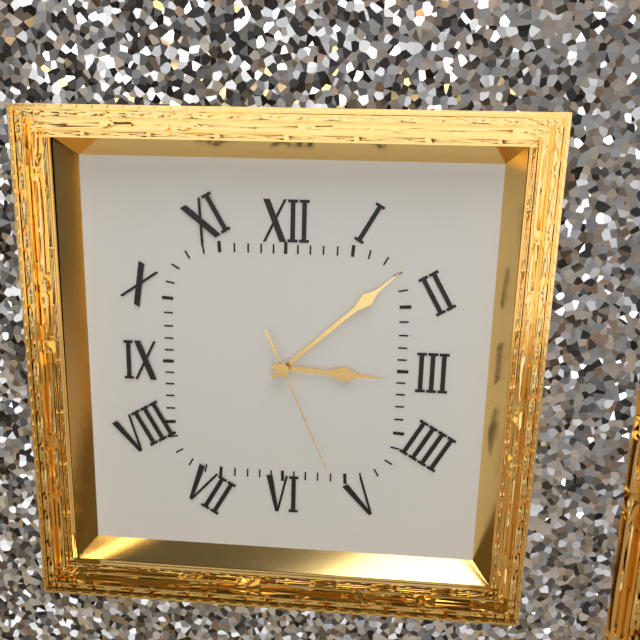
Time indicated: 3:08:26
